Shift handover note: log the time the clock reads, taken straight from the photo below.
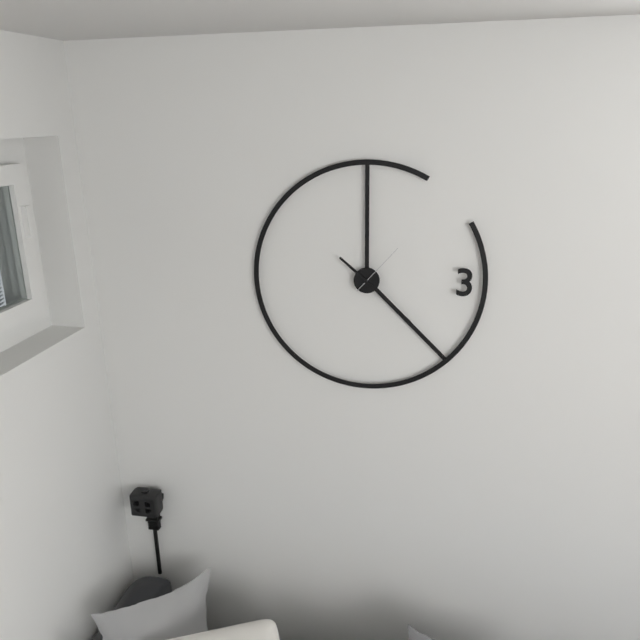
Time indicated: 10:22:07
